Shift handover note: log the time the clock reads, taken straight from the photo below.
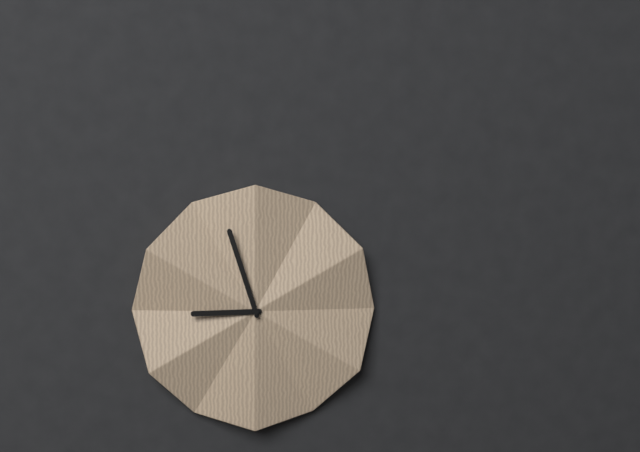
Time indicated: 8:57
